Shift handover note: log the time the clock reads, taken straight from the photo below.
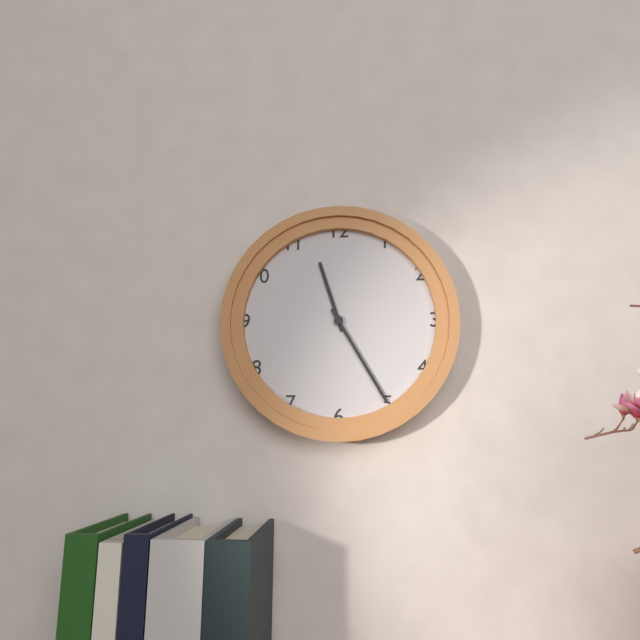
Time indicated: 11:25
